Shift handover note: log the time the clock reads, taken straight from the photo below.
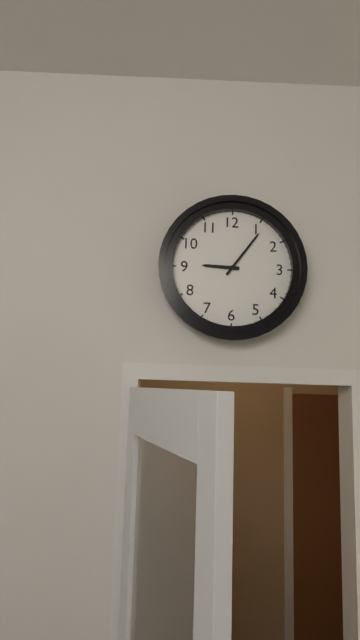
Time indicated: 9:06
